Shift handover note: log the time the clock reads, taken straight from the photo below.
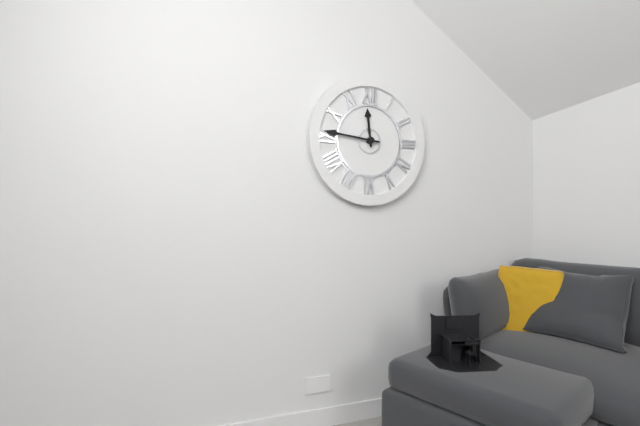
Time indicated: 11:46
